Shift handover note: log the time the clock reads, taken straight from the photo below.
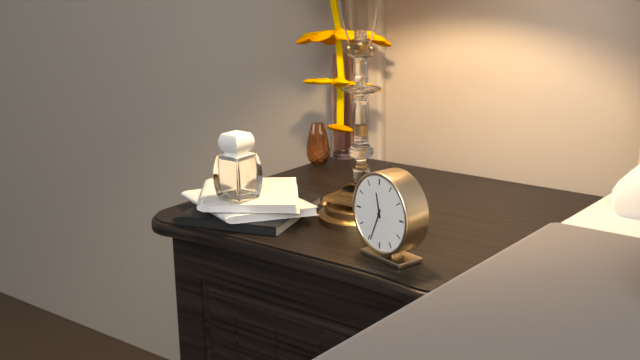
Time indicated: 11:34
